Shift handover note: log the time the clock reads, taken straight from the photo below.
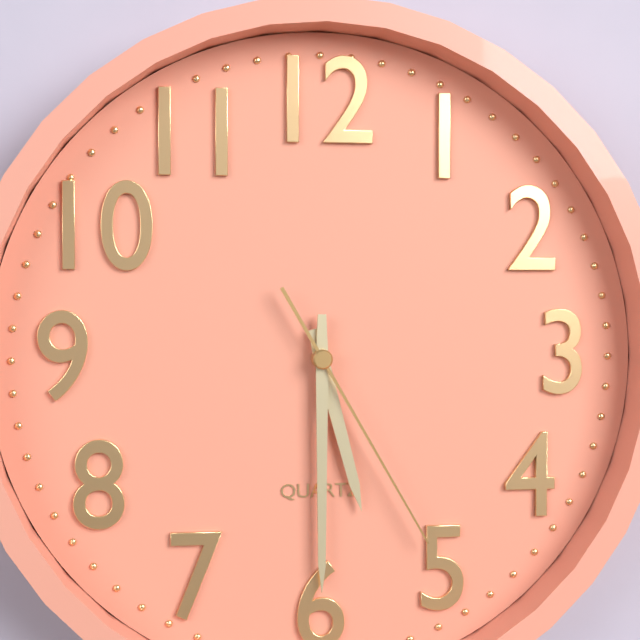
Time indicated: 5:30:25
